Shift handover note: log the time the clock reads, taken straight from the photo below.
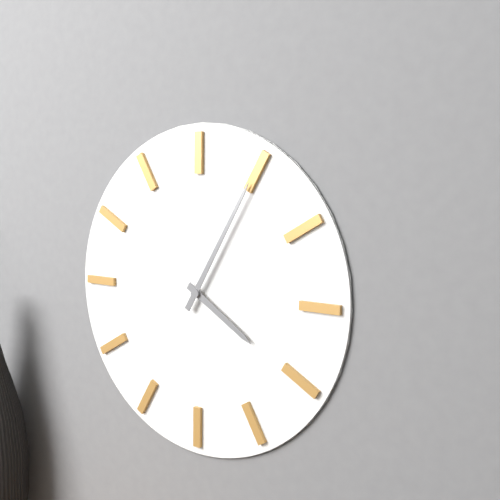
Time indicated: 4:05
